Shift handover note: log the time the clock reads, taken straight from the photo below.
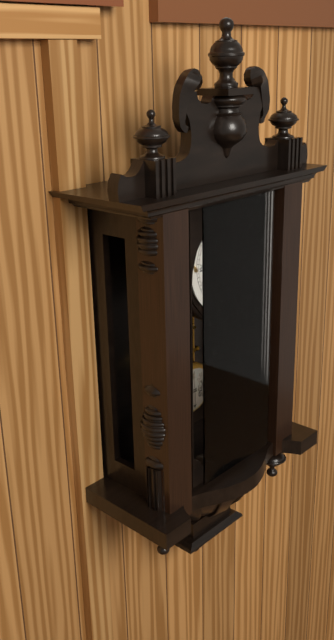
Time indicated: 3:04
